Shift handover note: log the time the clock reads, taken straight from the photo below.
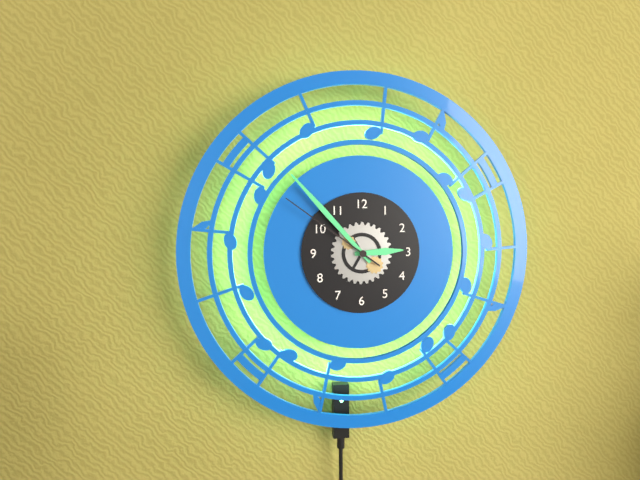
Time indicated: 2:53:51
